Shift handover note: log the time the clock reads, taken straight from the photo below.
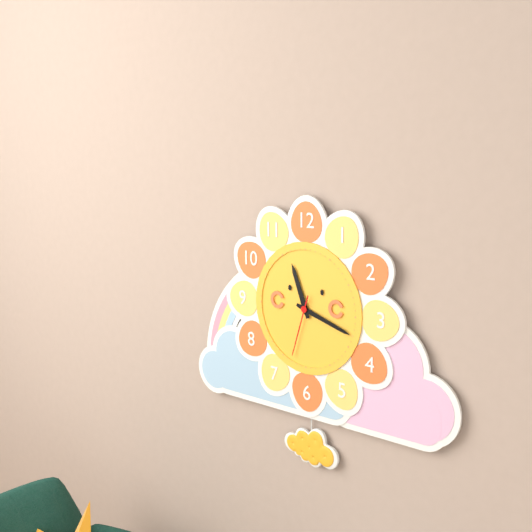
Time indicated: 11:18:33
